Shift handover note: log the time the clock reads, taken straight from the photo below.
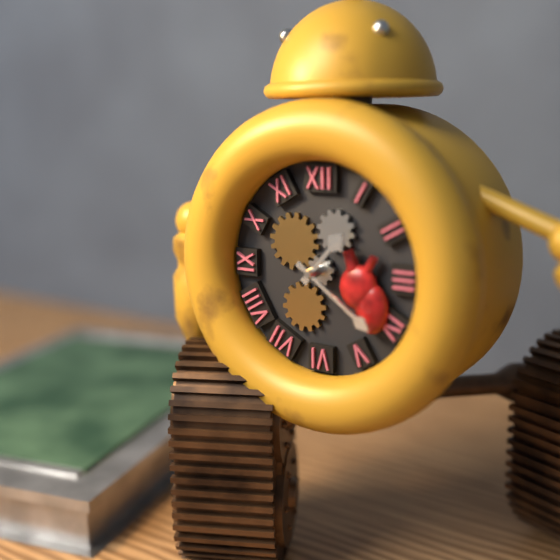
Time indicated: 1:21
